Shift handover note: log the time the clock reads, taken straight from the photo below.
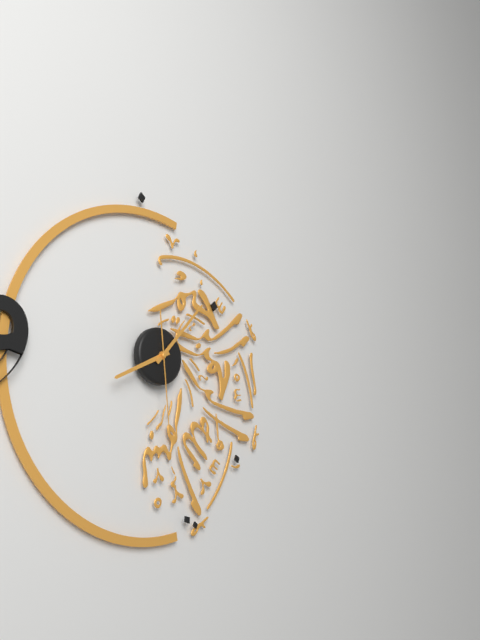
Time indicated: 8:07:29
